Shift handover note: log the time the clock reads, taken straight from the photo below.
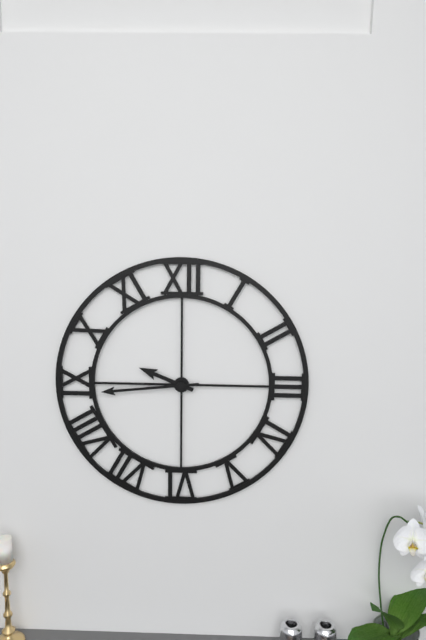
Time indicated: 9:44
